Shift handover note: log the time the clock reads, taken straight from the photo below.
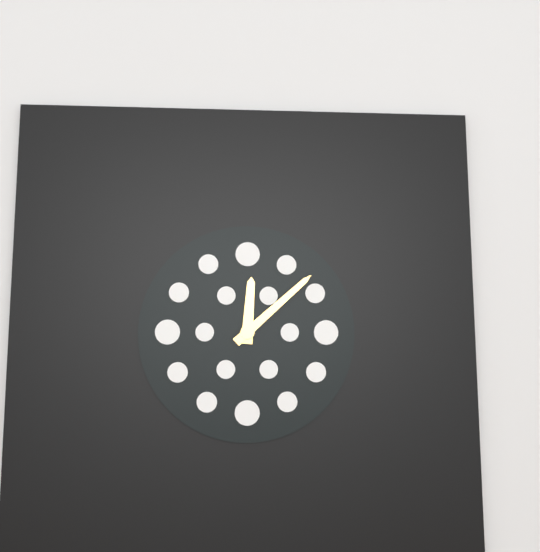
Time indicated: 12:08
